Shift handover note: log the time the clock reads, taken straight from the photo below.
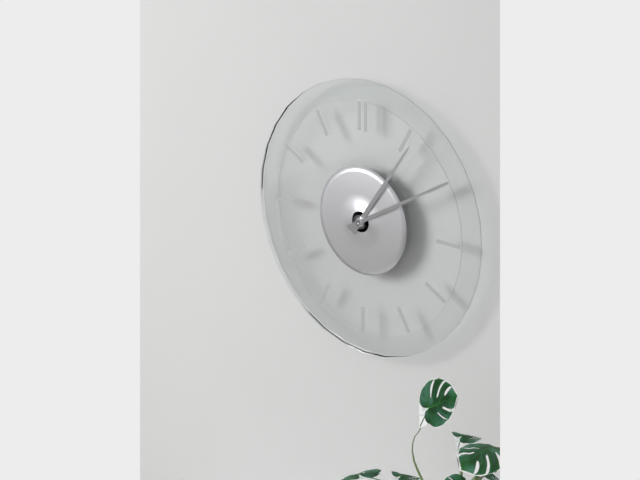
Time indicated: 1:10
